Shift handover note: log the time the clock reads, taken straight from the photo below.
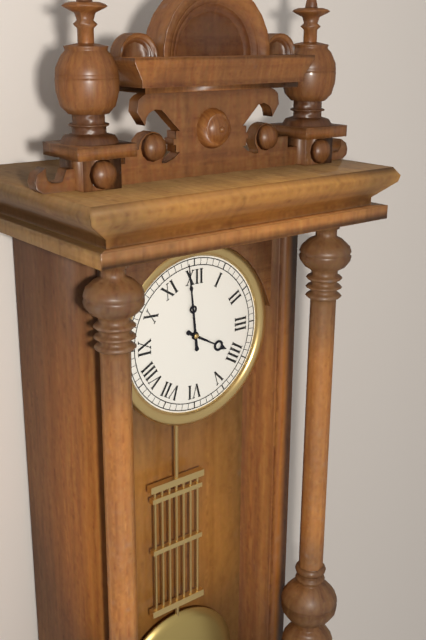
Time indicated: 3:59
